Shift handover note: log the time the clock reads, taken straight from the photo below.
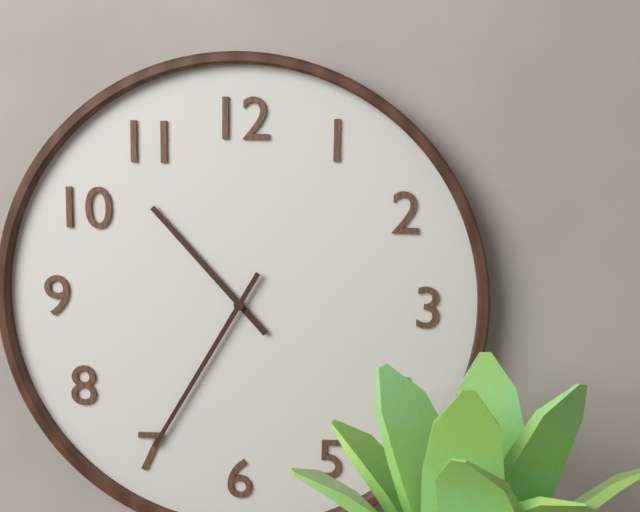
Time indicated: 10:35
